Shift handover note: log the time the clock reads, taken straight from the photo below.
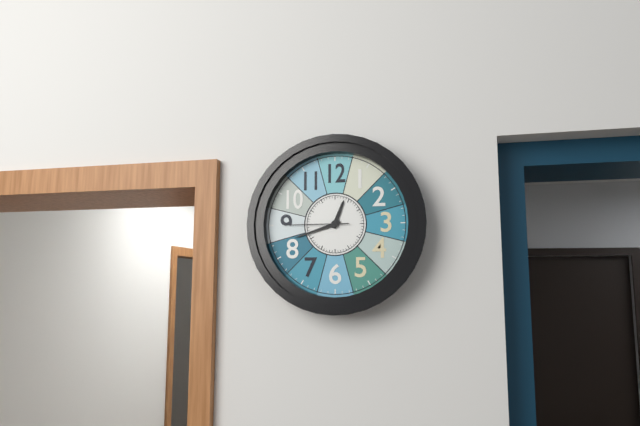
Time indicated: 12:42:45
